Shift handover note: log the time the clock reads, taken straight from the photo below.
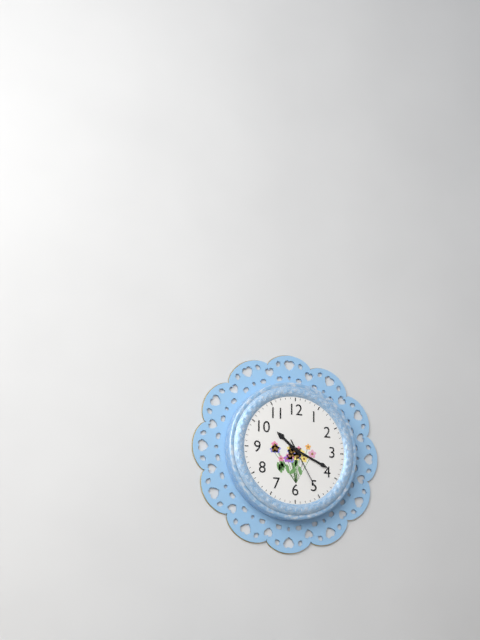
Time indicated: 10:19:25
